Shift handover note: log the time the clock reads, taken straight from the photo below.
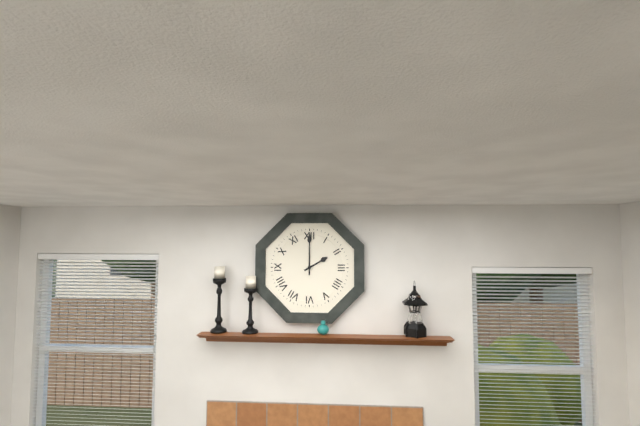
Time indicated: 2:00
